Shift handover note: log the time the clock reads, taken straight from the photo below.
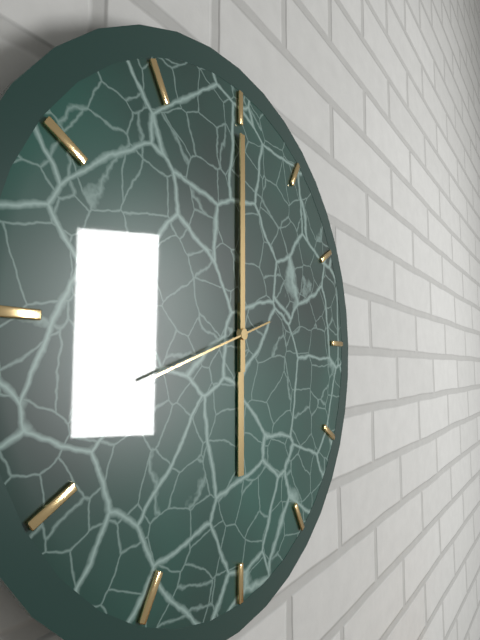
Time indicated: 6:00:42
